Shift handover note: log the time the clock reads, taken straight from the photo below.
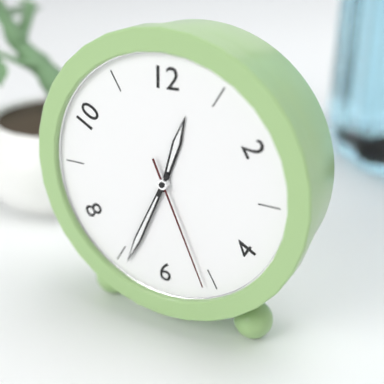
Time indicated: 12:34:26
